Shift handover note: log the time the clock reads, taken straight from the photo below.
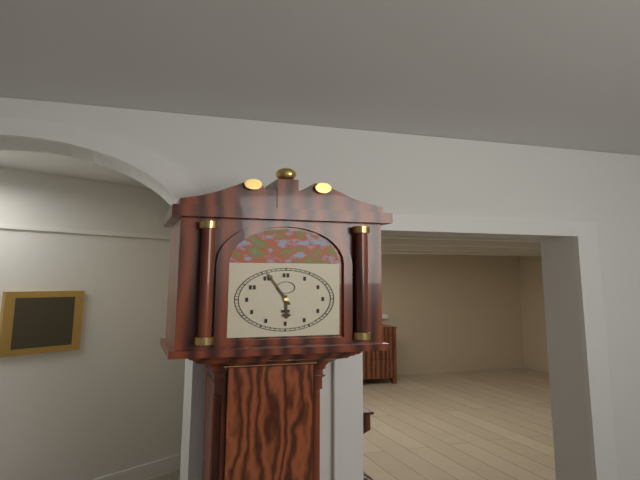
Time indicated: 5:56
